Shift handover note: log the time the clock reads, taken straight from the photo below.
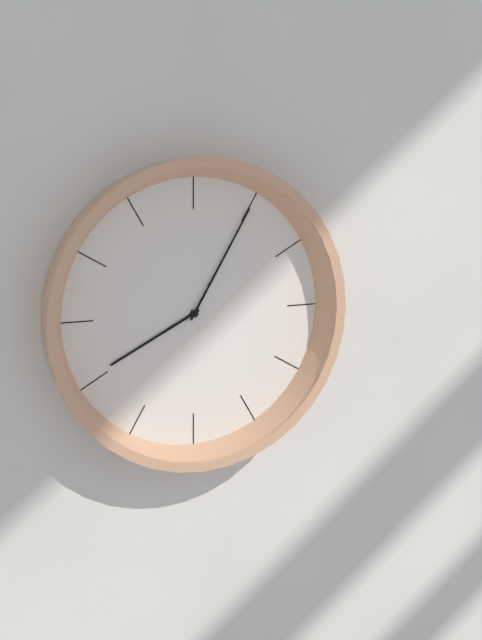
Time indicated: 8:05
